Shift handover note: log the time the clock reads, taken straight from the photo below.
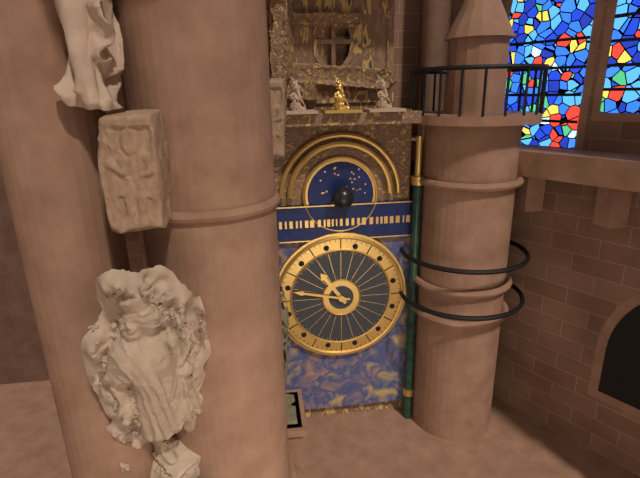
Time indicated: 10:47
